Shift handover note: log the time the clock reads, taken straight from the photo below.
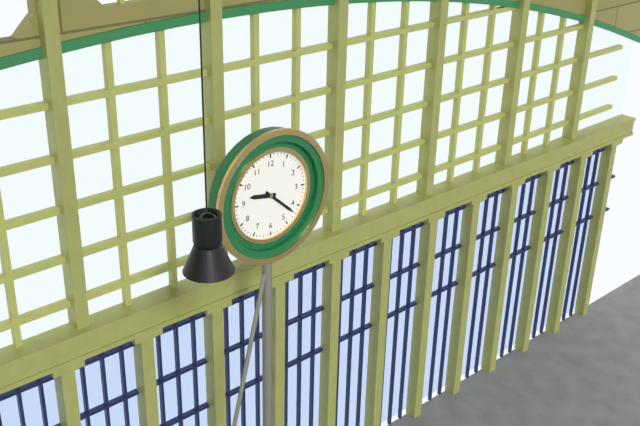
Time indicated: 9:22
